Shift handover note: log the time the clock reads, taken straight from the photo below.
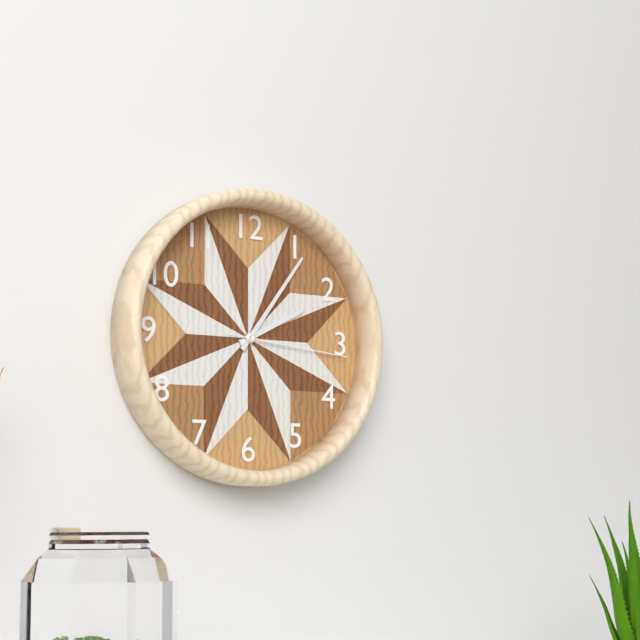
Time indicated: 2:06:16
